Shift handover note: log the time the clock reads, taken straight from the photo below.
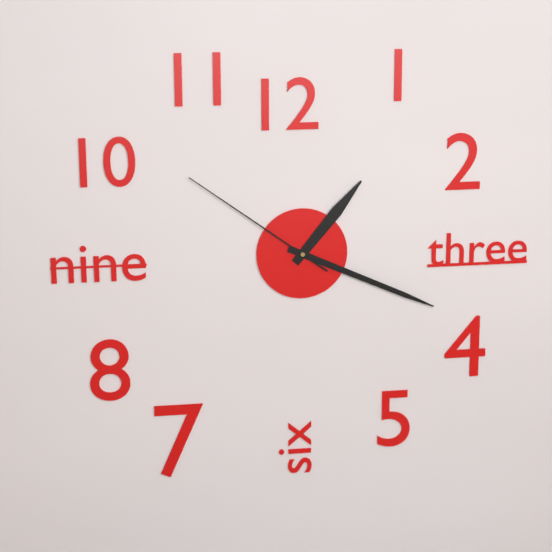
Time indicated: 1:19:51
